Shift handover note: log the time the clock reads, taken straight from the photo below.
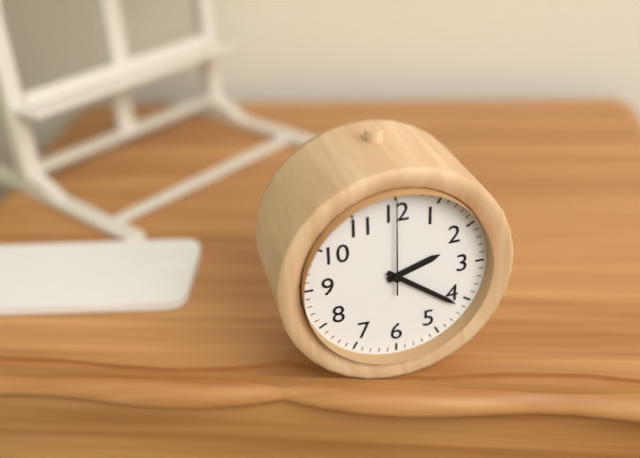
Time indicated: 2:21:00
